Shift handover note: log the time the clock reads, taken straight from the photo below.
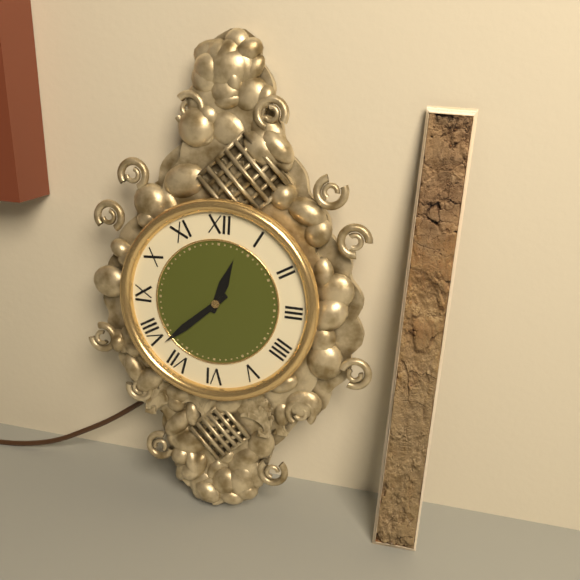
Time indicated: 12:38
